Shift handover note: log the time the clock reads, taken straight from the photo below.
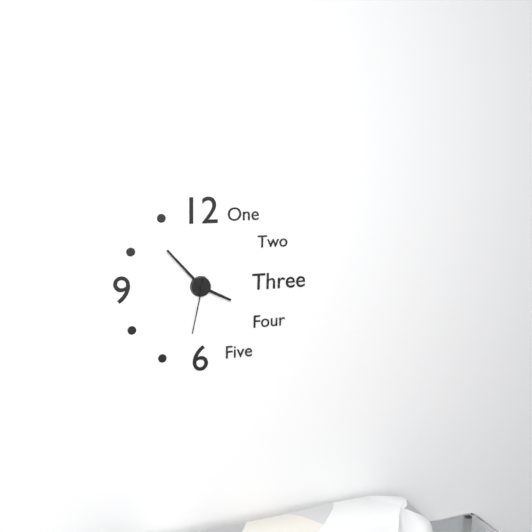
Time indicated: 3:53:32
